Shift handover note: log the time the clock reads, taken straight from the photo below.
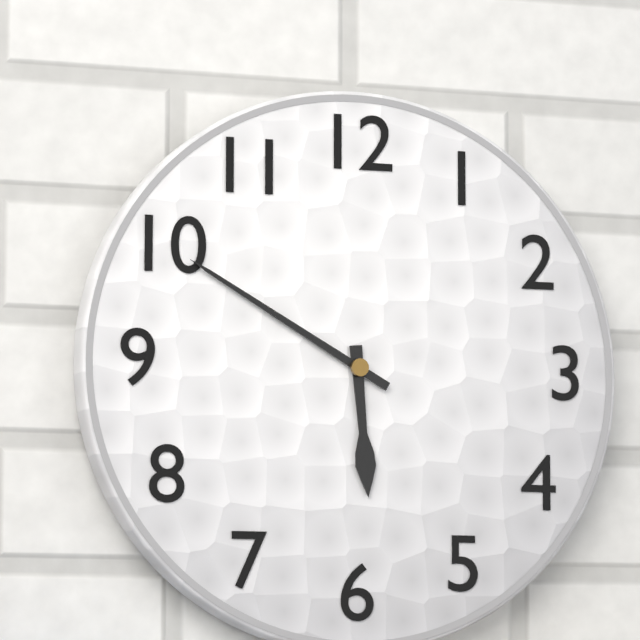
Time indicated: 5:50
